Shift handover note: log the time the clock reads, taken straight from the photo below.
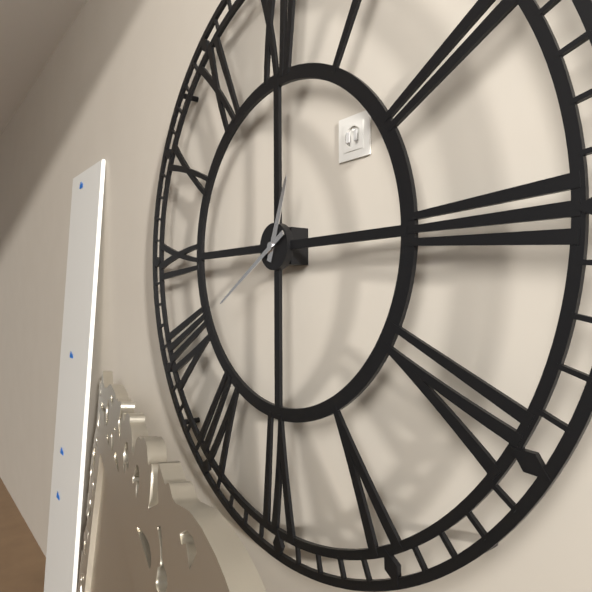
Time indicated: 12:40
